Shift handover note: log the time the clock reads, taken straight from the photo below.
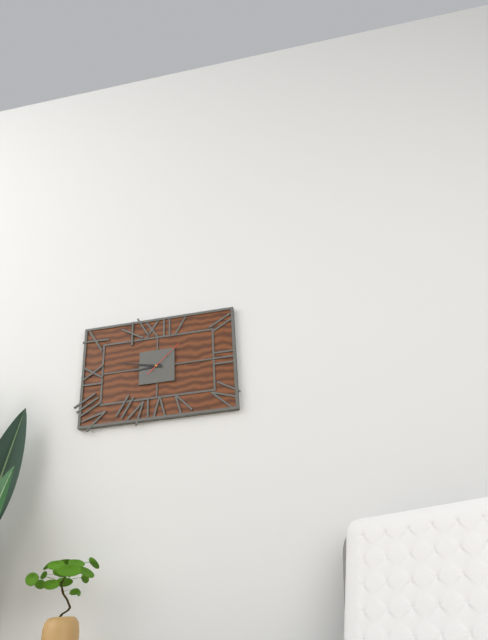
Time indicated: 8:47
